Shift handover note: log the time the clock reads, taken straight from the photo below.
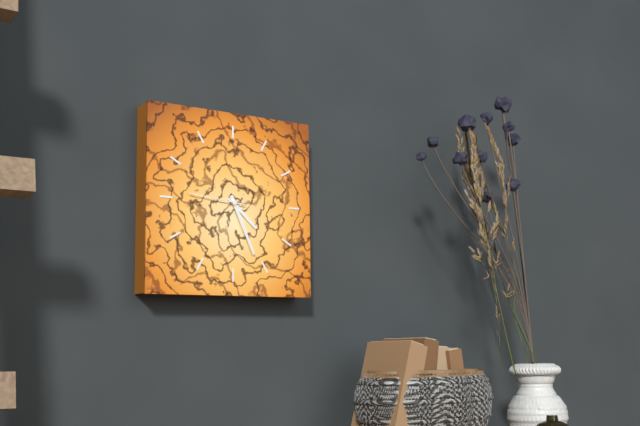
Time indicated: 4:26:46
